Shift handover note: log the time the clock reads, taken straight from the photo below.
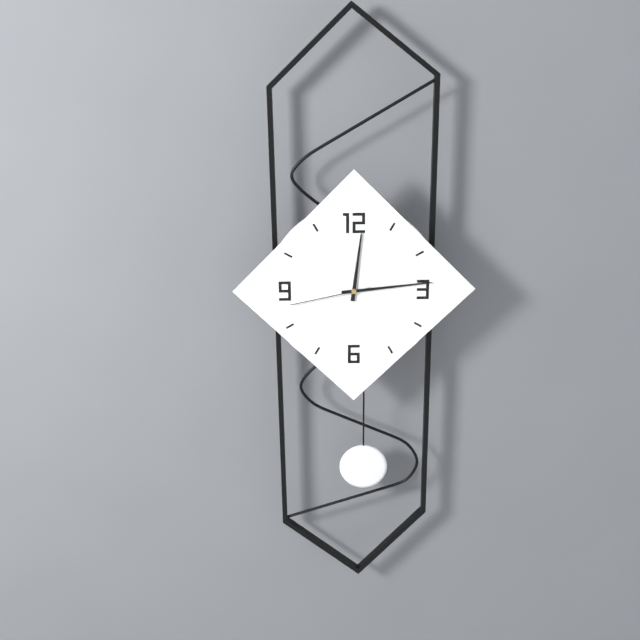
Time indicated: 12:14:43
